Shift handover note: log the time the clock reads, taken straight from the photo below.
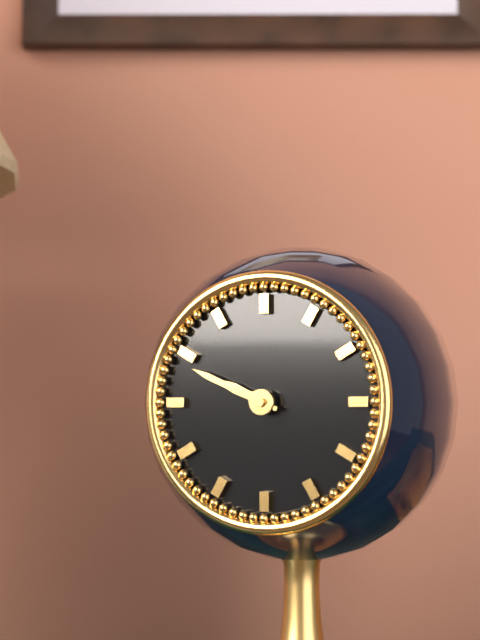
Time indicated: 9:49
